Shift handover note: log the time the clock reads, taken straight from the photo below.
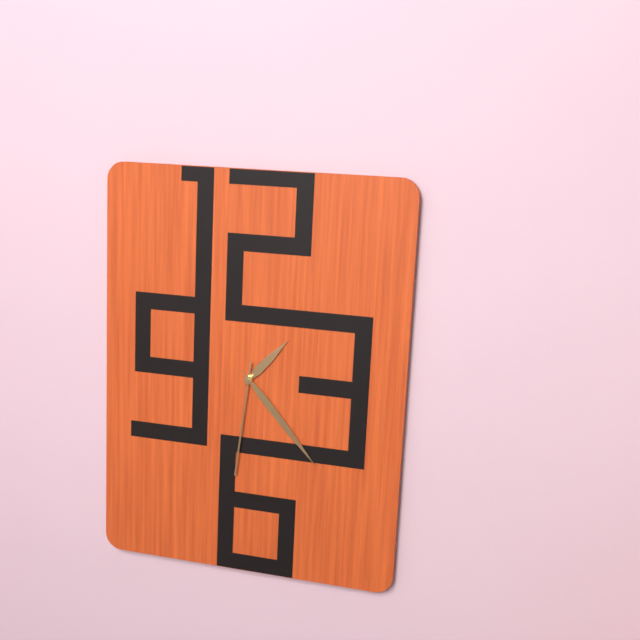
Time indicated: 1:23:31
